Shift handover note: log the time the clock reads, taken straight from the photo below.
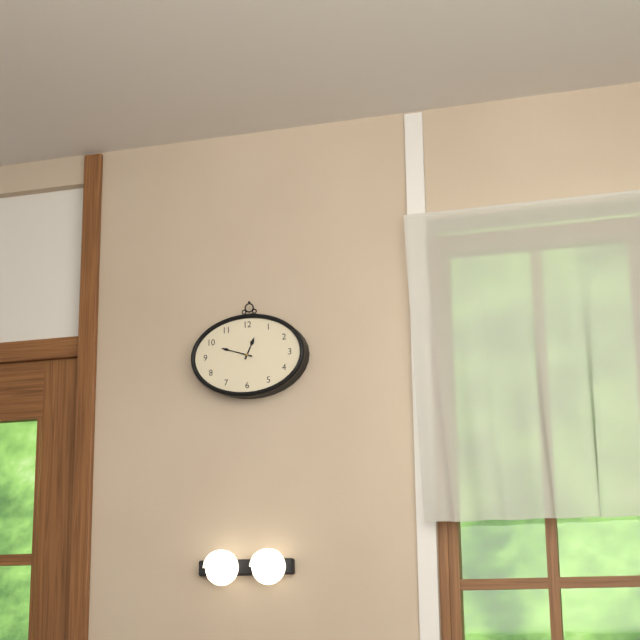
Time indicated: 12:48
